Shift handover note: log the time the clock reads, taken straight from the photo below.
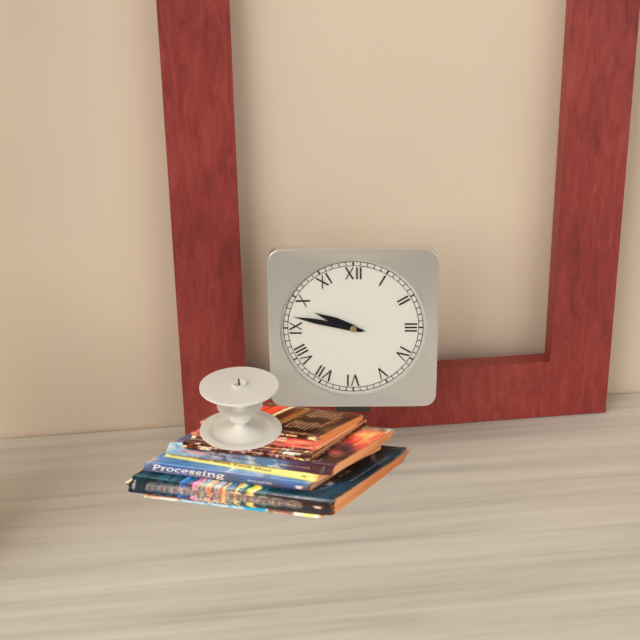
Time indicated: 9:47
